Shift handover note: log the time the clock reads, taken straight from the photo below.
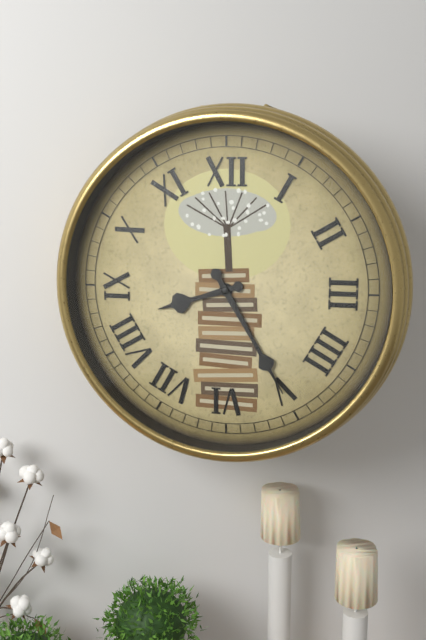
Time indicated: 8:25
